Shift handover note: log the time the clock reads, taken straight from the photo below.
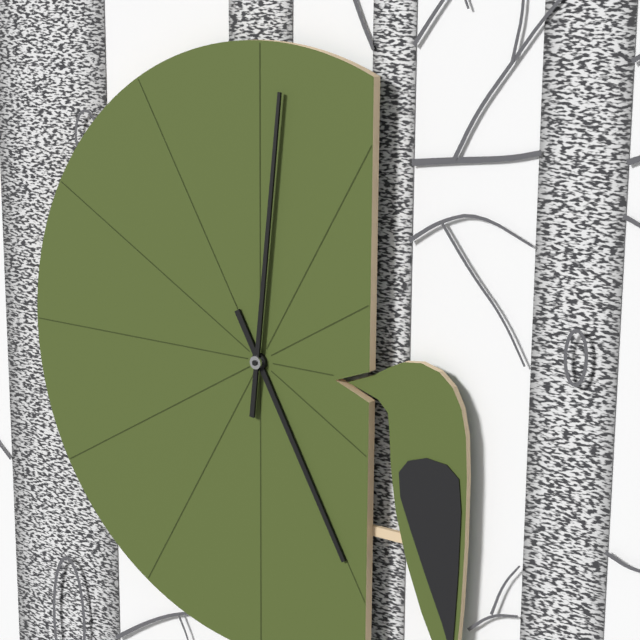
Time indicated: 5:01
